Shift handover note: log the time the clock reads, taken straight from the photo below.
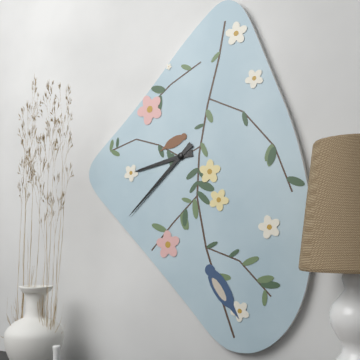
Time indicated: 8:38
